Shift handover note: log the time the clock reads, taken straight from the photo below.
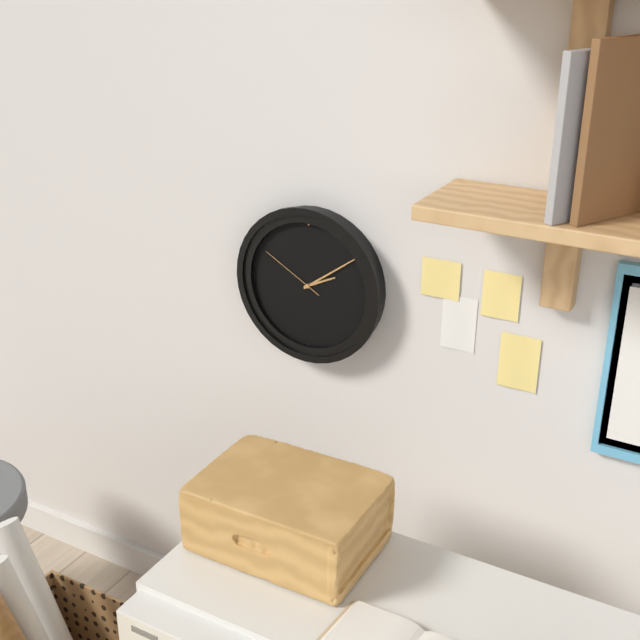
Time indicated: 2:09:50
